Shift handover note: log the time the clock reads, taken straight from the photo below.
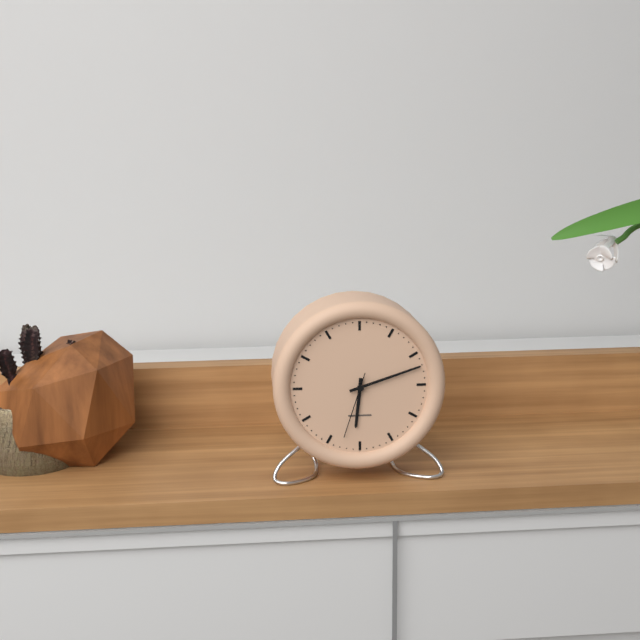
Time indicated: 6:12:33
